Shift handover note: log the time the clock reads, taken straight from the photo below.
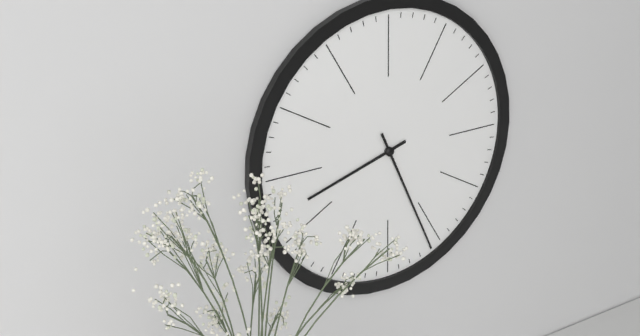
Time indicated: 8:26
